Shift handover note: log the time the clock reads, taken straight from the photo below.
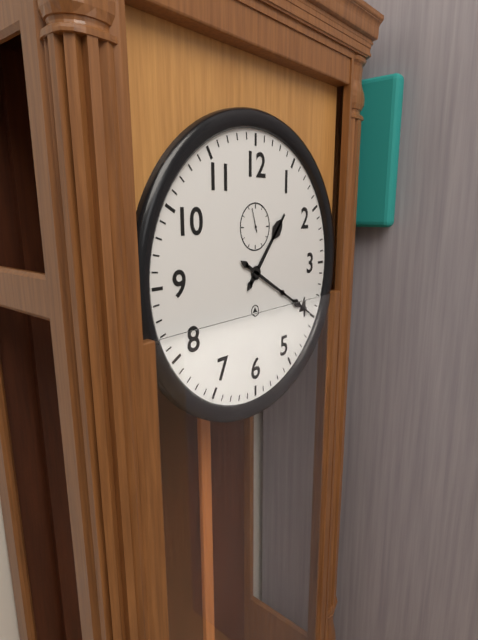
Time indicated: 1:20
